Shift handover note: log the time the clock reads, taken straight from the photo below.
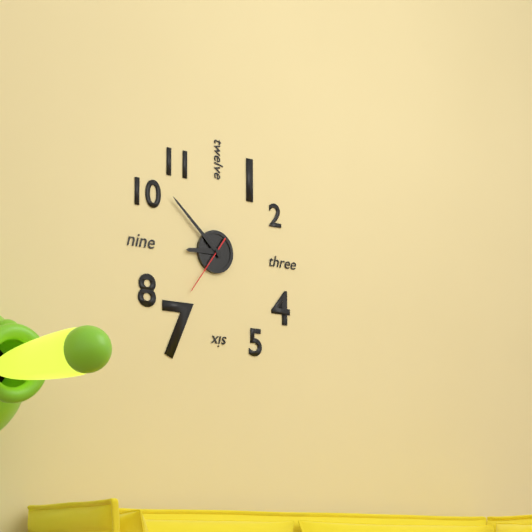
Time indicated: 8:52:36
